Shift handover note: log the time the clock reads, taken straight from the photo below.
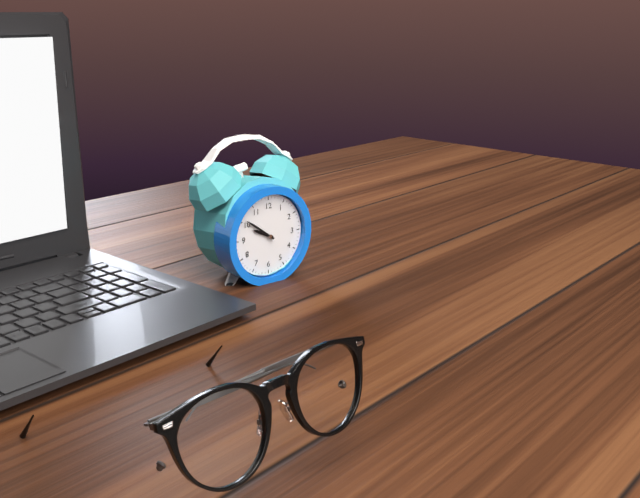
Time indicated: 9:51
